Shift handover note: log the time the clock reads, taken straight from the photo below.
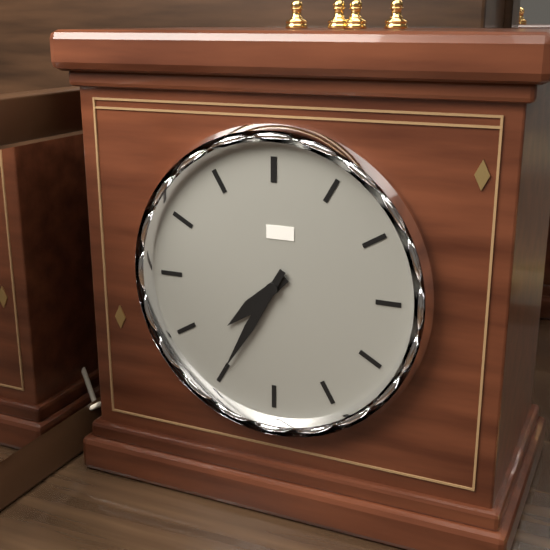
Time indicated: 7:35
